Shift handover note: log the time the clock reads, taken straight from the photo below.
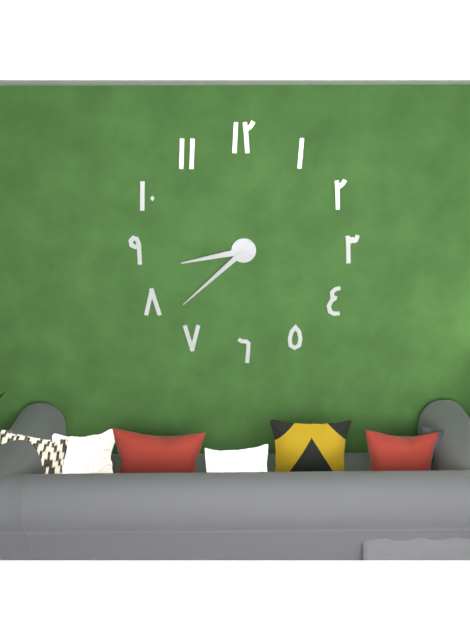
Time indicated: 8:38
